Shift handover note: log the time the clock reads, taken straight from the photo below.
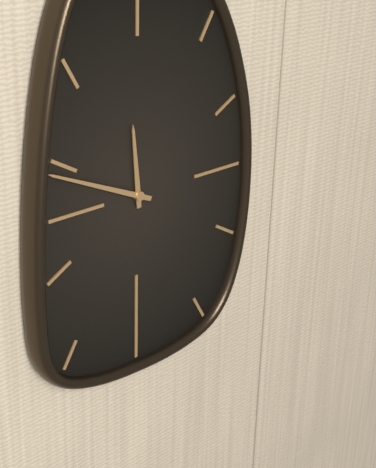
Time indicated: 11:49
